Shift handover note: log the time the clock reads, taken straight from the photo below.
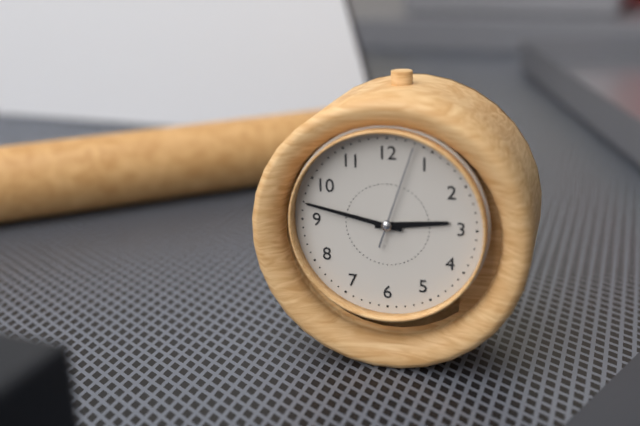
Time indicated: 2:47:03
